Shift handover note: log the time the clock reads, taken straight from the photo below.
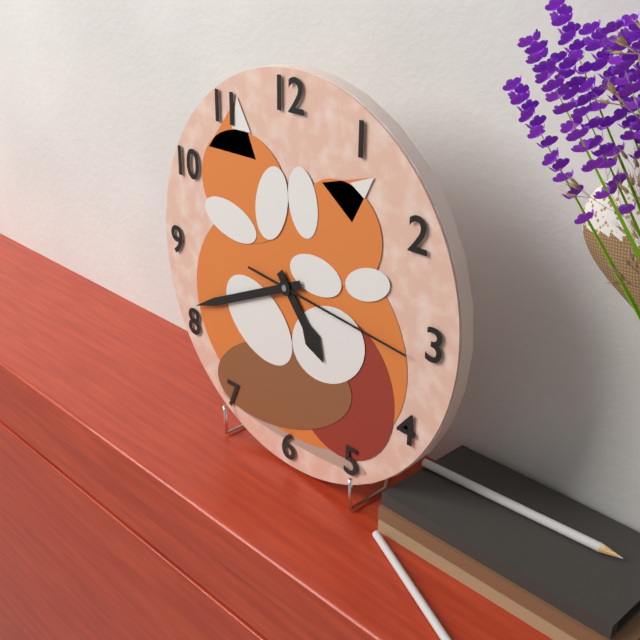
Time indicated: 4:41:16
